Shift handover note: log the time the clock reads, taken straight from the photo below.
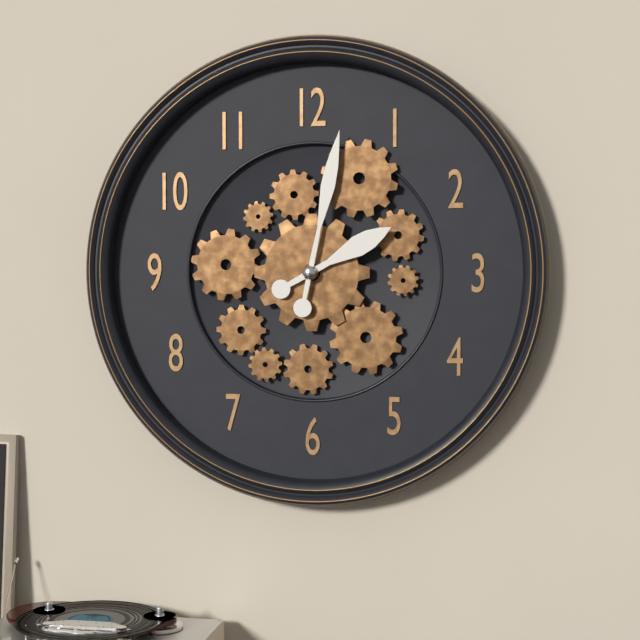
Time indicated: 2:02
